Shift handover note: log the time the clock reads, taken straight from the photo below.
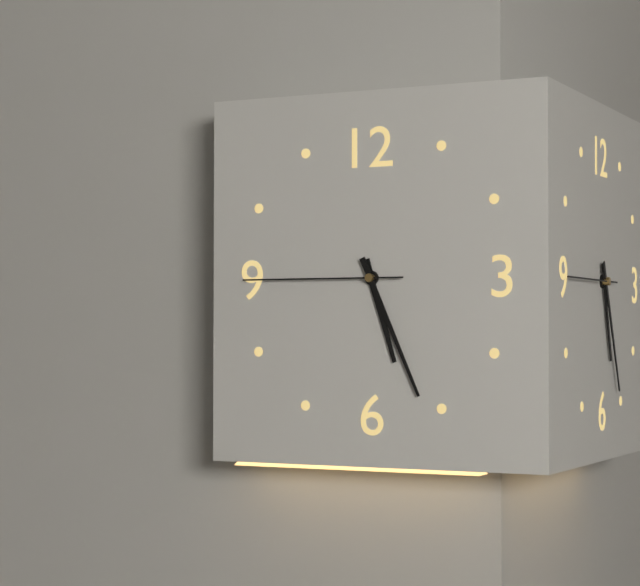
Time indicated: 5:26:45
